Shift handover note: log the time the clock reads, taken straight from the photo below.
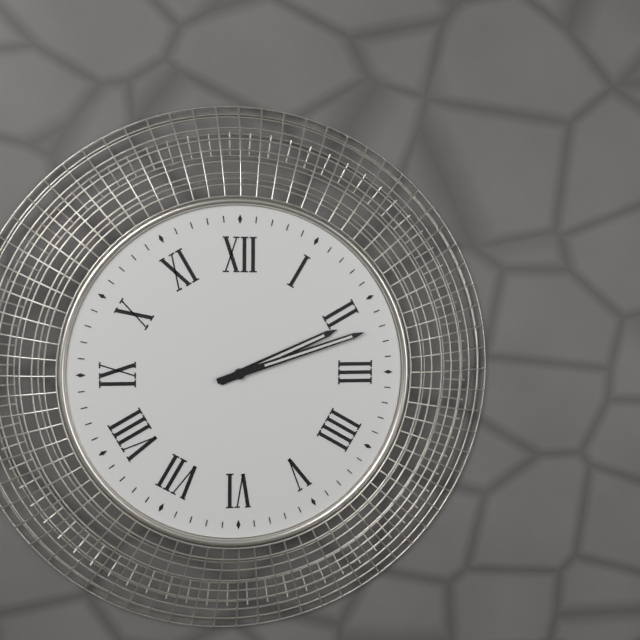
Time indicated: 2:12
